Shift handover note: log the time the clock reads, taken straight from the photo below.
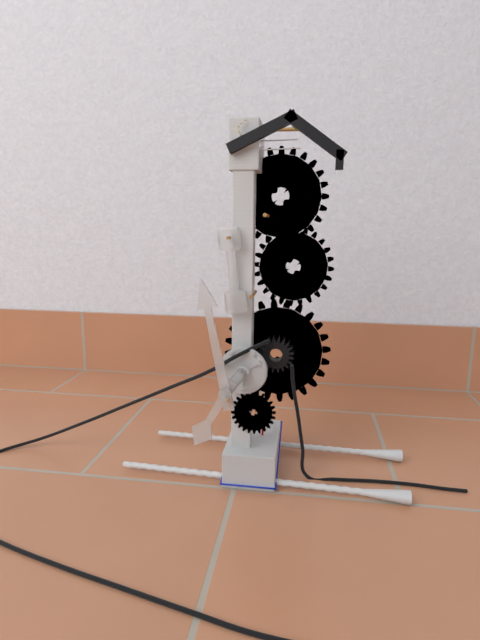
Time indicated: 6:58
